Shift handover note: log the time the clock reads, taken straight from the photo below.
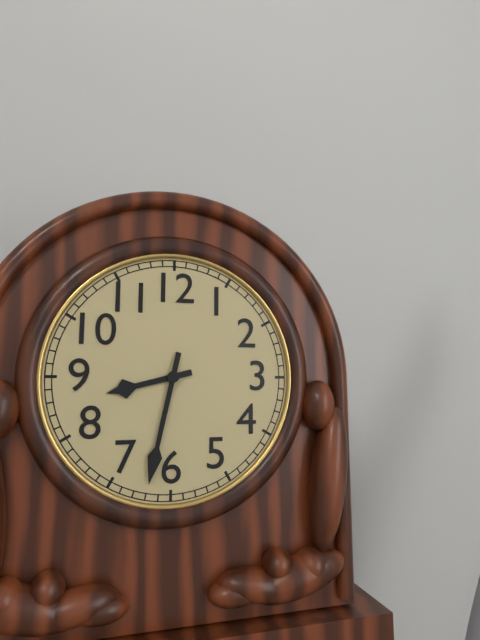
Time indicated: 8:32
